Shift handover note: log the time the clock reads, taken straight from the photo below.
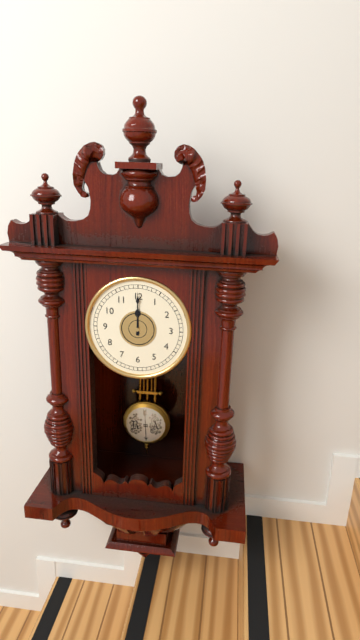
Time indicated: 12:00
